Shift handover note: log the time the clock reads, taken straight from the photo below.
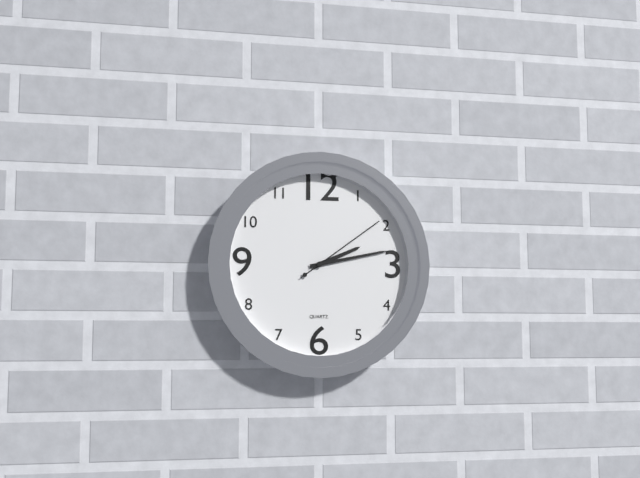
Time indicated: 2:13:09
